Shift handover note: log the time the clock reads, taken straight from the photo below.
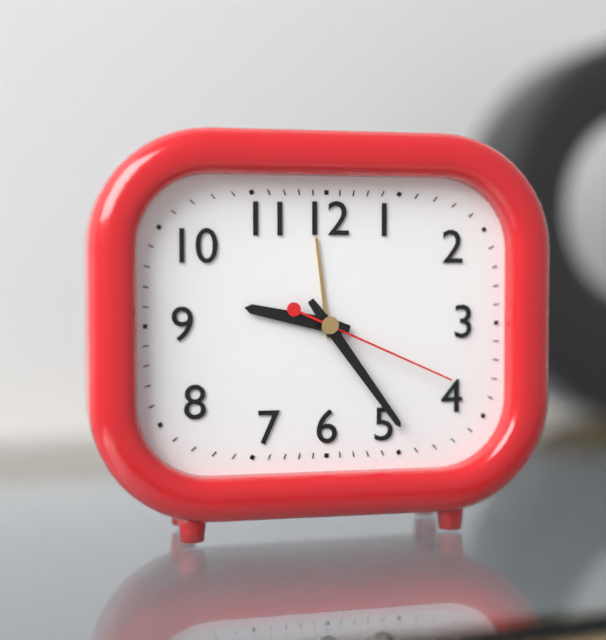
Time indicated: 9:24:19
